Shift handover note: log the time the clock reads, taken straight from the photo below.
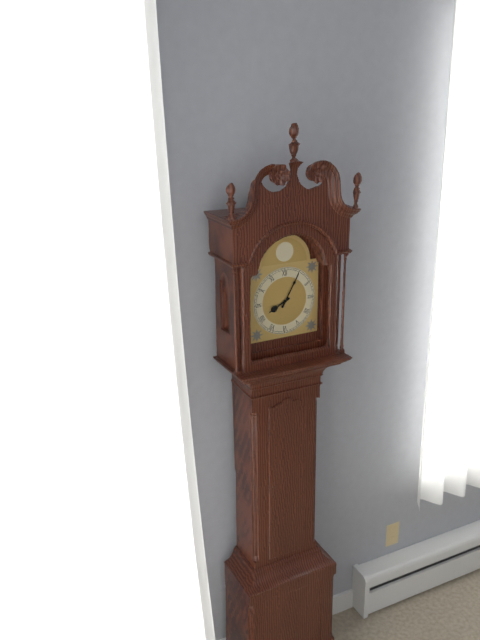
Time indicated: 8:05
